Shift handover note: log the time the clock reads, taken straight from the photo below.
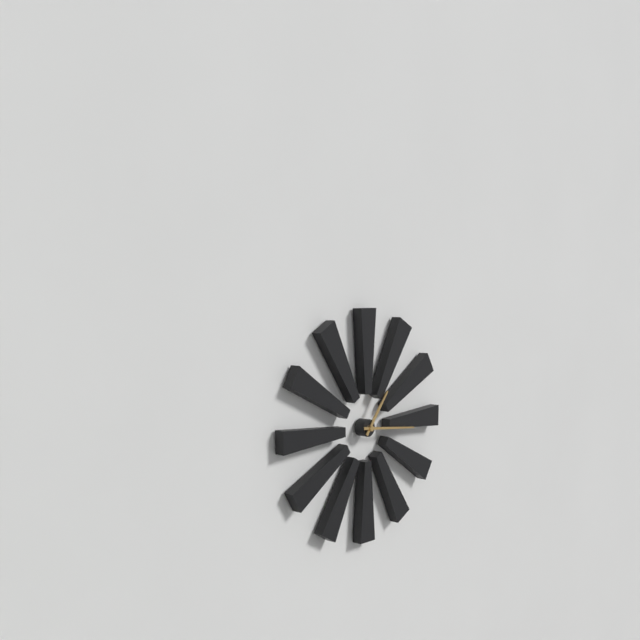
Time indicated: 1:16
